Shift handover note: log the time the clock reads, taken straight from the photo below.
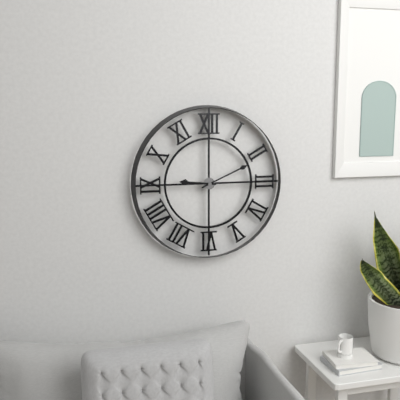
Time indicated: 9:11
